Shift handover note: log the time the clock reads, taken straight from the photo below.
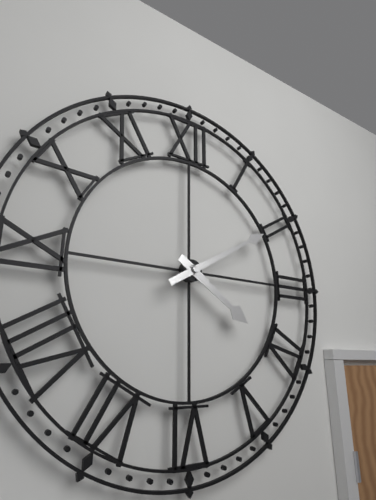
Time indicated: 4:10
